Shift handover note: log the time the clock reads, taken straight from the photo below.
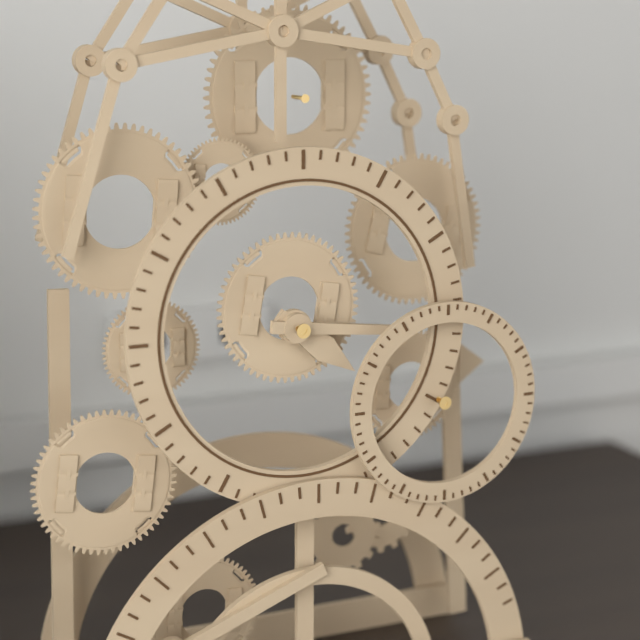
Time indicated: 4:16
